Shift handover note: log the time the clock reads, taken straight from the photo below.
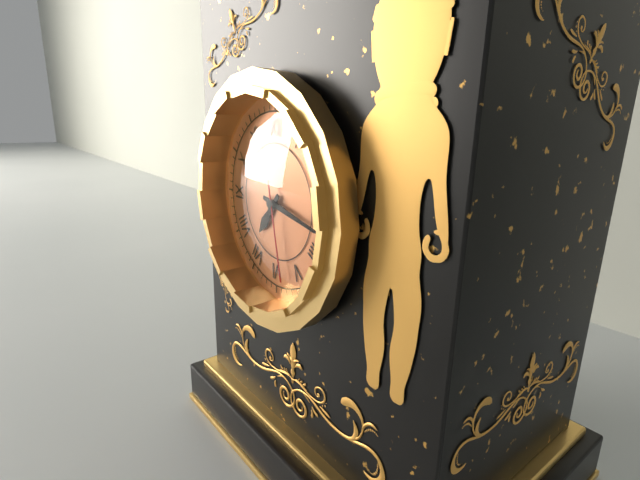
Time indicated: 7:17:28
